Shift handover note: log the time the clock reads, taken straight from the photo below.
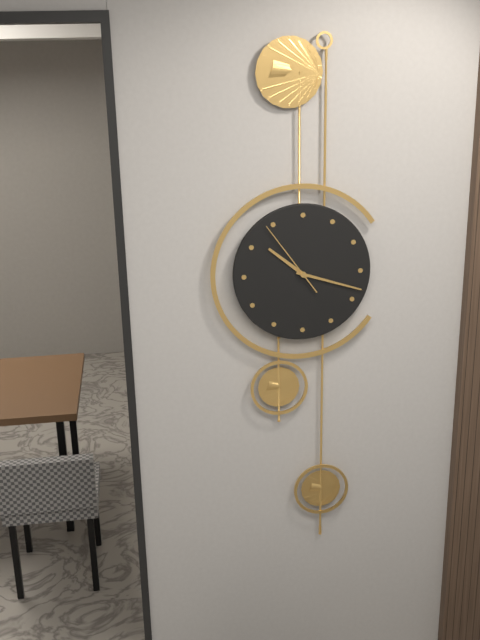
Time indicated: 10:18:54
